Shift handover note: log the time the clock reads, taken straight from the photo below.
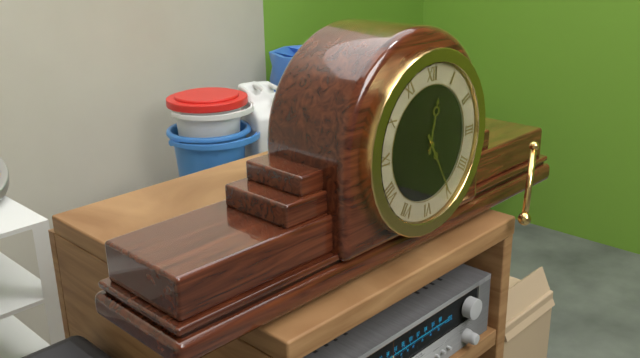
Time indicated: 12:25
